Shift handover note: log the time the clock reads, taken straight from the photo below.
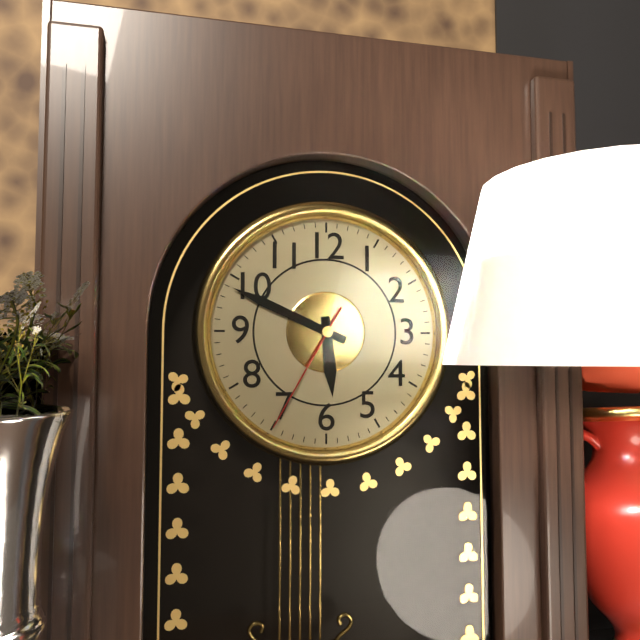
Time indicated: 5:49:35
